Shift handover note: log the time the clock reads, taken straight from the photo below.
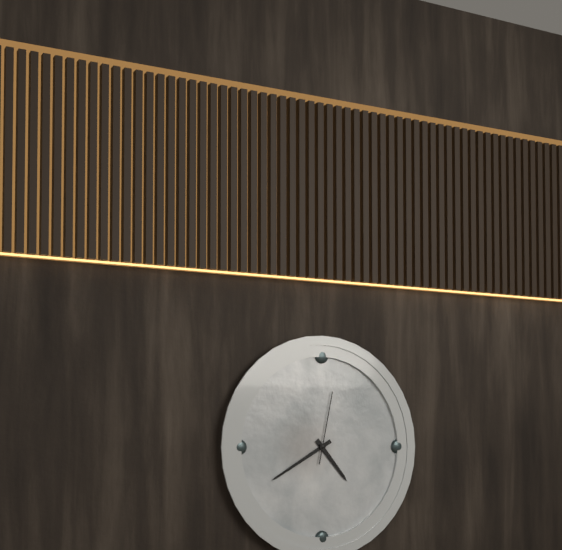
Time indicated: 4:40:02
